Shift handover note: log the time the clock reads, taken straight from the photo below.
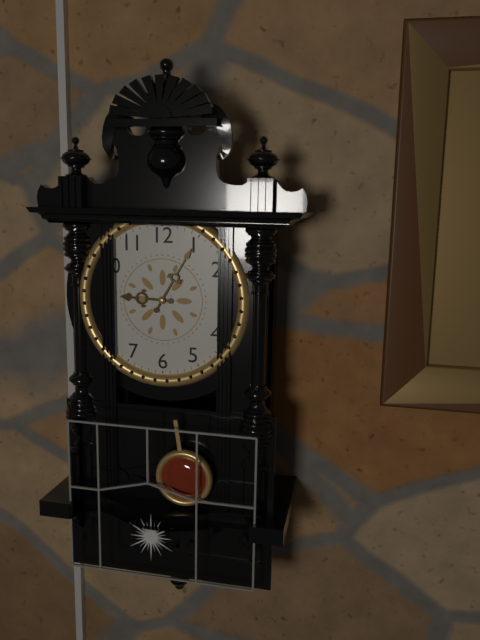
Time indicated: 9:05
